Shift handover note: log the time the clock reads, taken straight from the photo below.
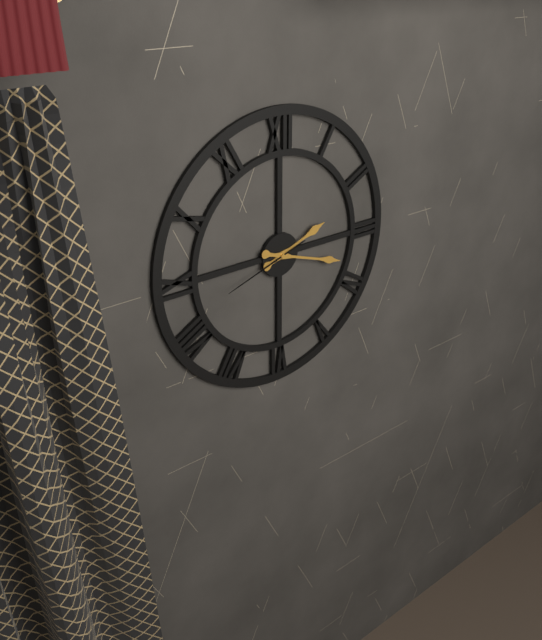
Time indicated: 2:18:42
